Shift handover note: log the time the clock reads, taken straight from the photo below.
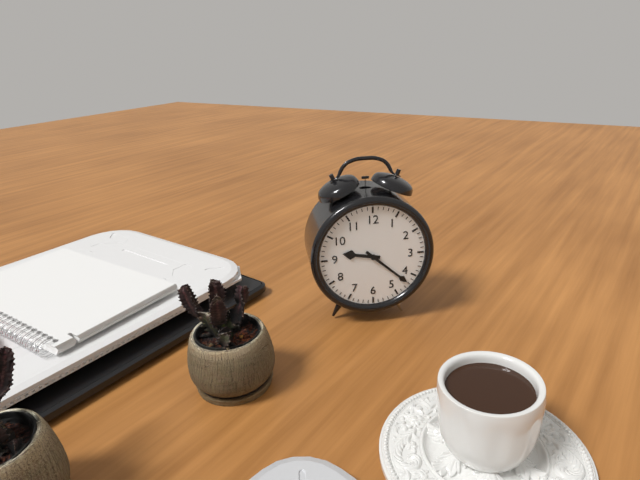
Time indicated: 9:22
